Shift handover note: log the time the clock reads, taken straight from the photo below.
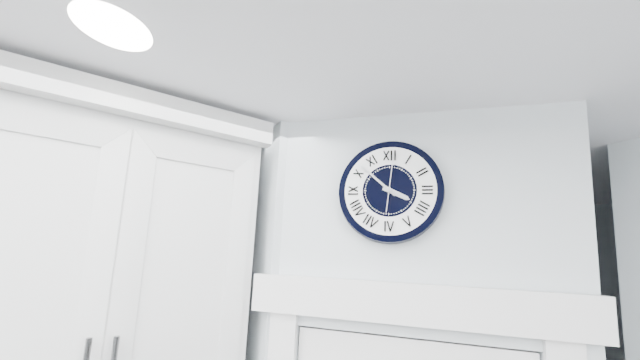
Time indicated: 3:52:01
